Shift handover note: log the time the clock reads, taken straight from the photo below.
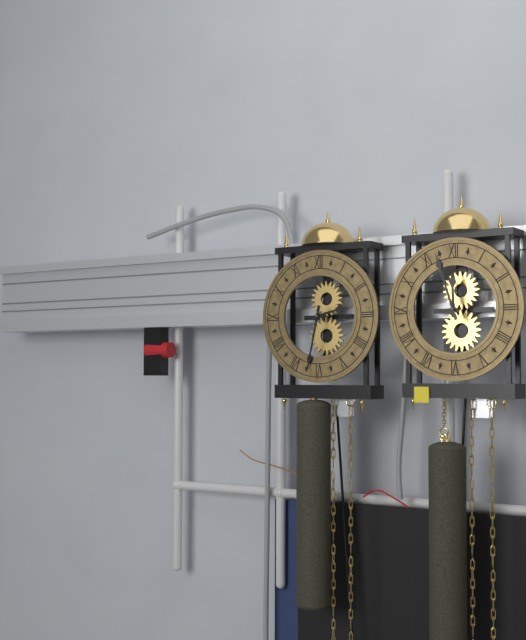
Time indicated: 2:32
